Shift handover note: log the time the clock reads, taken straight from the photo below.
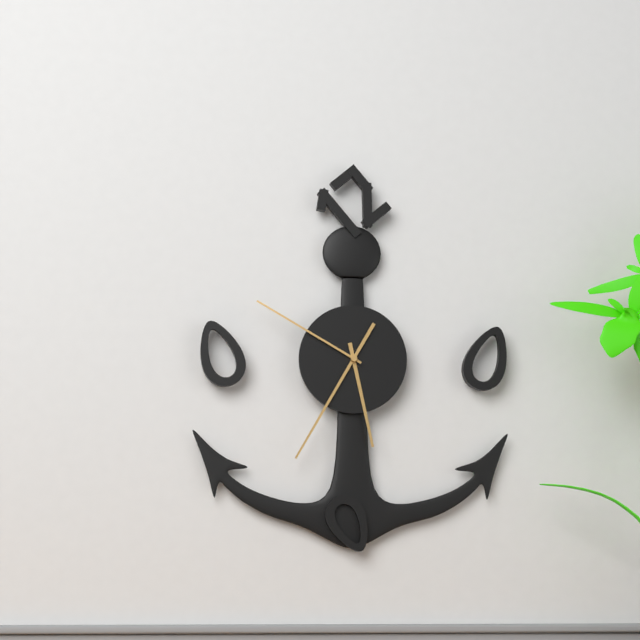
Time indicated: 5:35:50
